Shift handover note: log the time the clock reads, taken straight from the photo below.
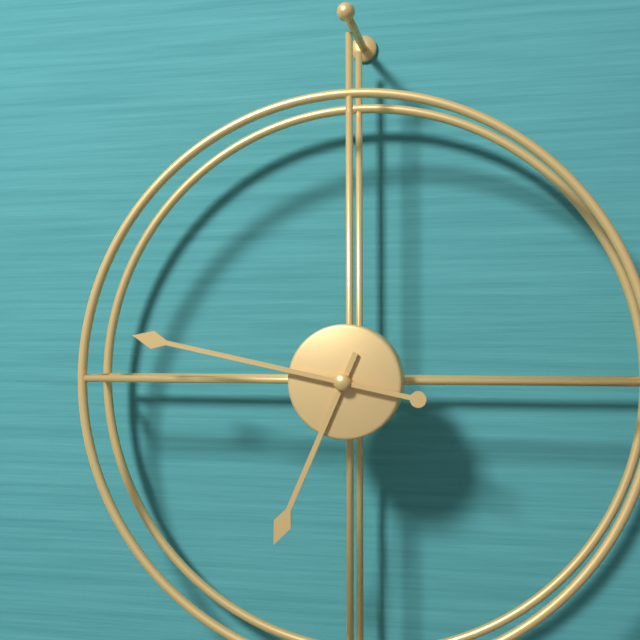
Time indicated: 6:47
